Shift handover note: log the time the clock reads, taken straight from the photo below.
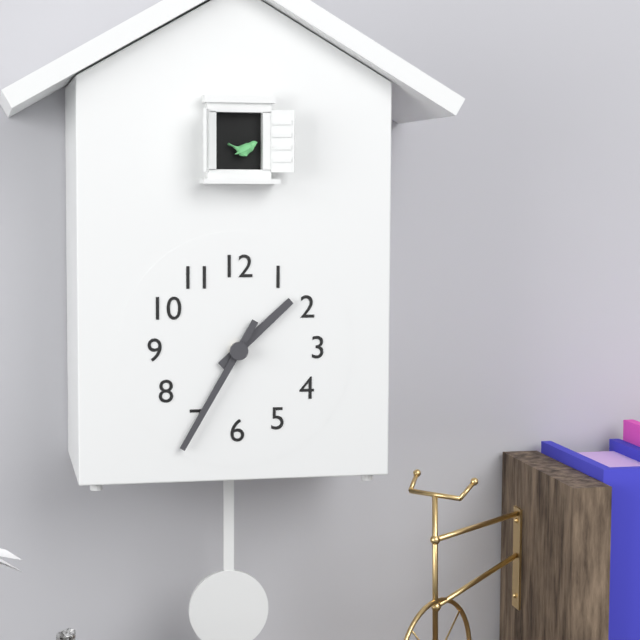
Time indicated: 1:35
